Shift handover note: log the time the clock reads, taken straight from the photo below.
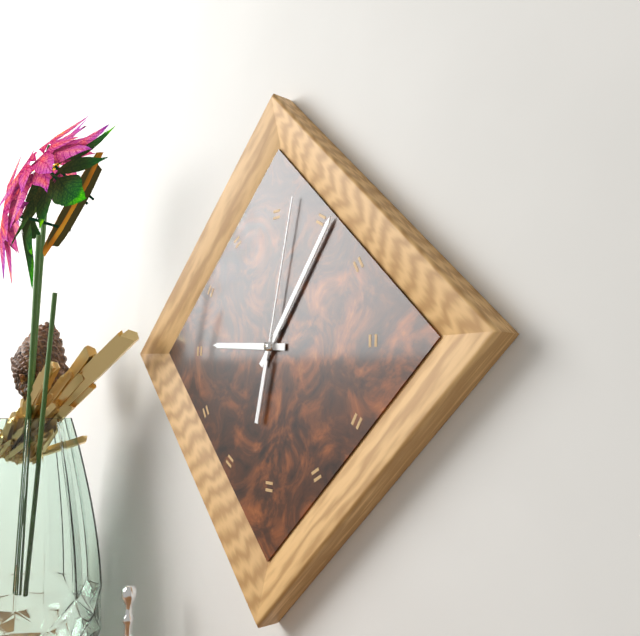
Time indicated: 9:06:02
